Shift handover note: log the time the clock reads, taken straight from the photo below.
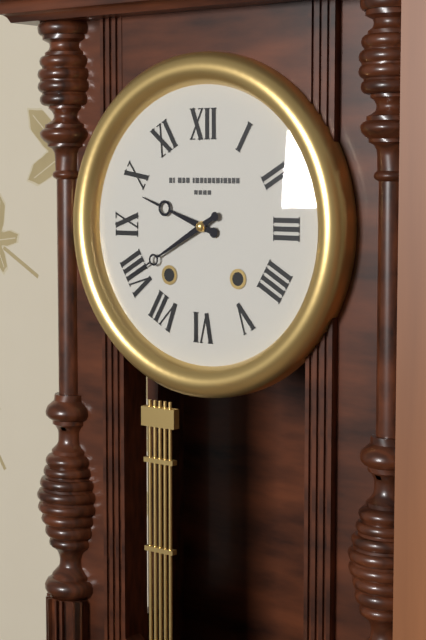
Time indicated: 9:40
